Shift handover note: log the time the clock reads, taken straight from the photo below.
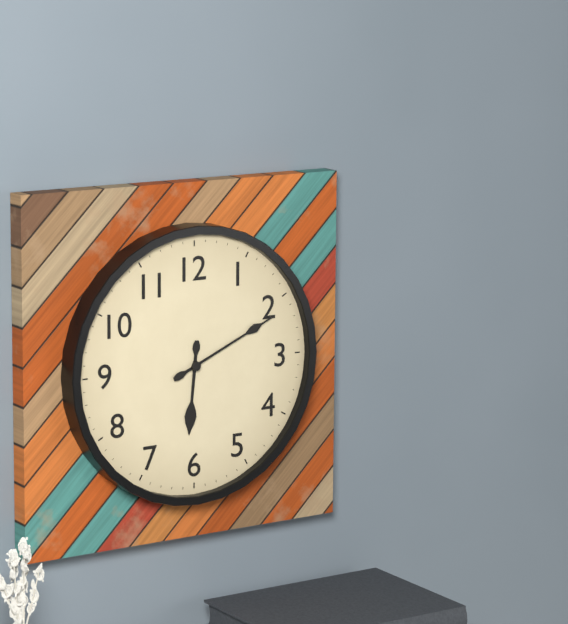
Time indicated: 6:11
